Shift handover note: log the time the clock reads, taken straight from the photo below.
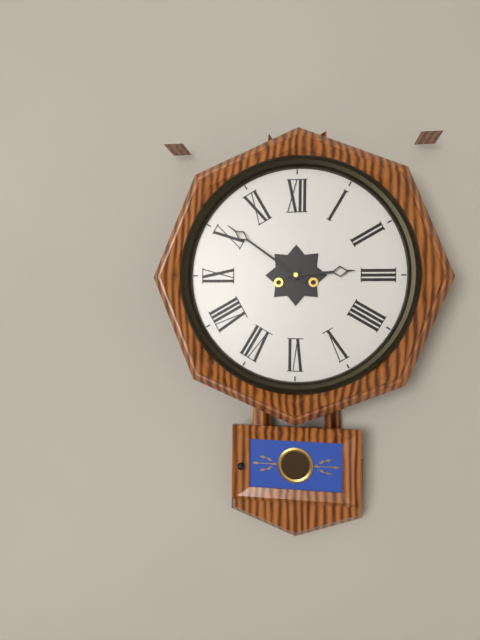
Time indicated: 2:51
